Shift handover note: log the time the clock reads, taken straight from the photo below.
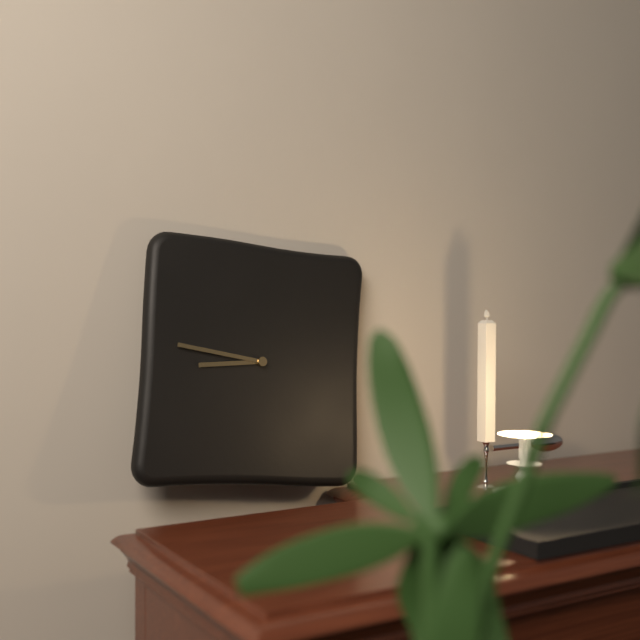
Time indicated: 8:46
